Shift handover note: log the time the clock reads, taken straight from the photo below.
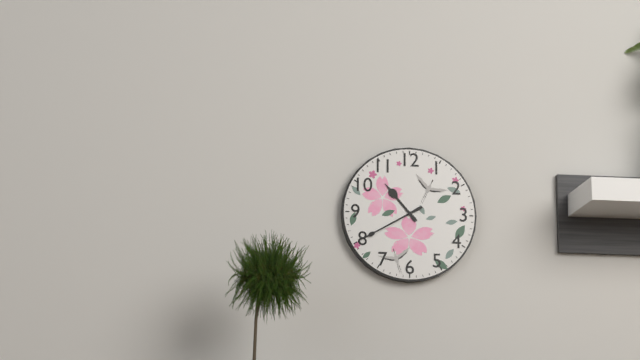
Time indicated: 10:40
